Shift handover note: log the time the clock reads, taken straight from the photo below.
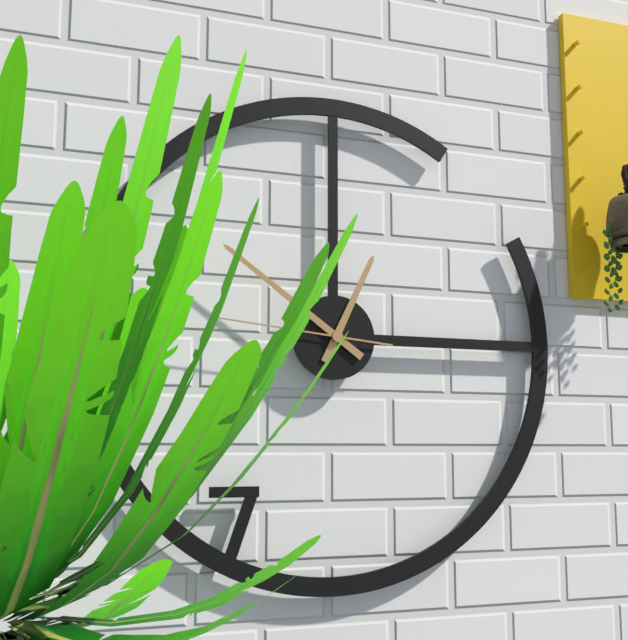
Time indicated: 12:51:46
